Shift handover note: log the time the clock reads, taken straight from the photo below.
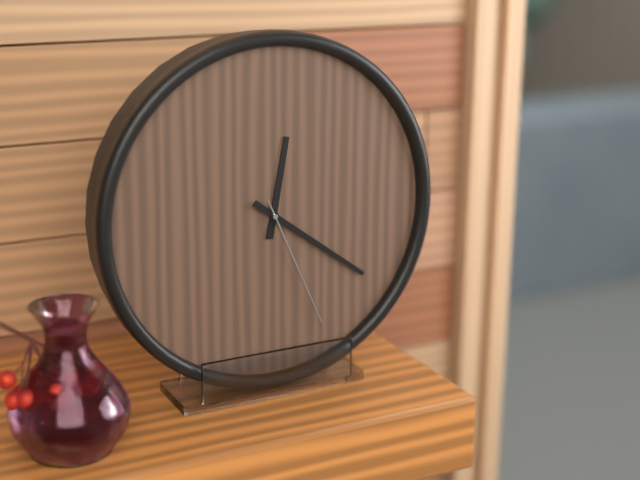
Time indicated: 12:21:26
